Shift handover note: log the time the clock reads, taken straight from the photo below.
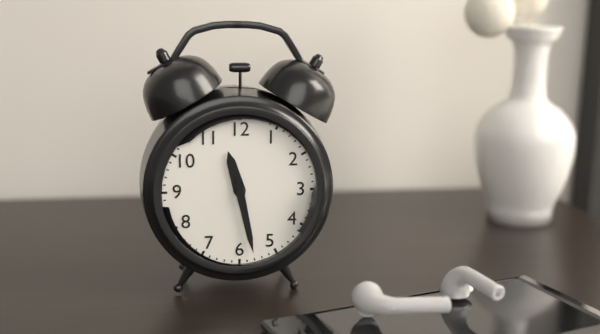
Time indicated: 11:28
